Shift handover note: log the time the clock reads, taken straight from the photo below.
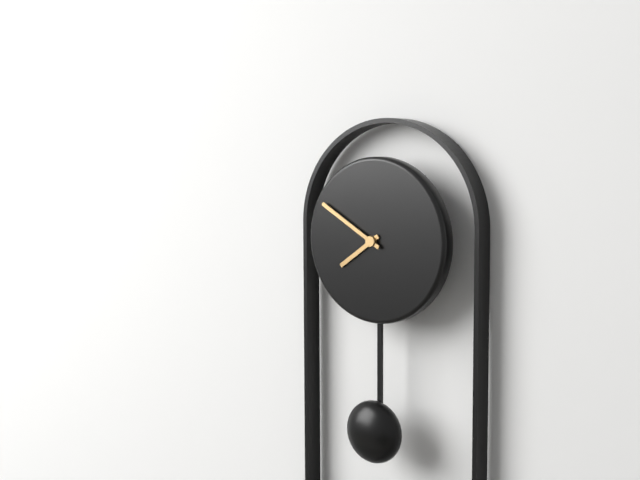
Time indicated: 7:50
